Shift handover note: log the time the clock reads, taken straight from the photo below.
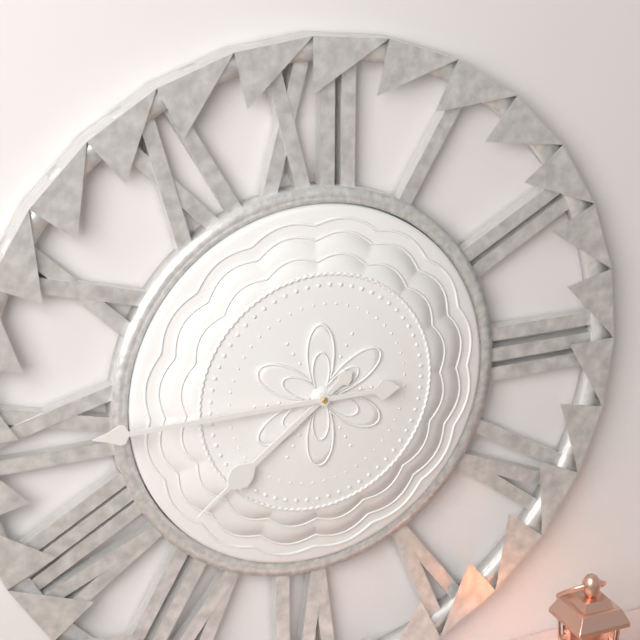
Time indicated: 7:45
